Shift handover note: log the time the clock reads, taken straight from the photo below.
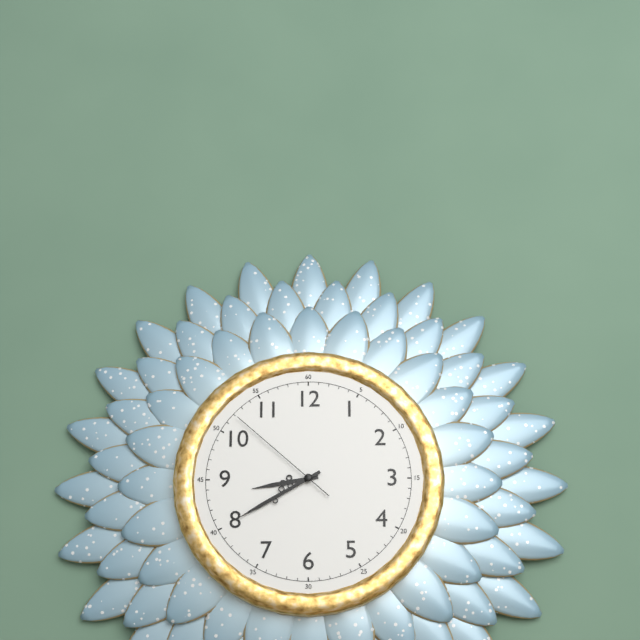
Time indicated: 8:40:52
